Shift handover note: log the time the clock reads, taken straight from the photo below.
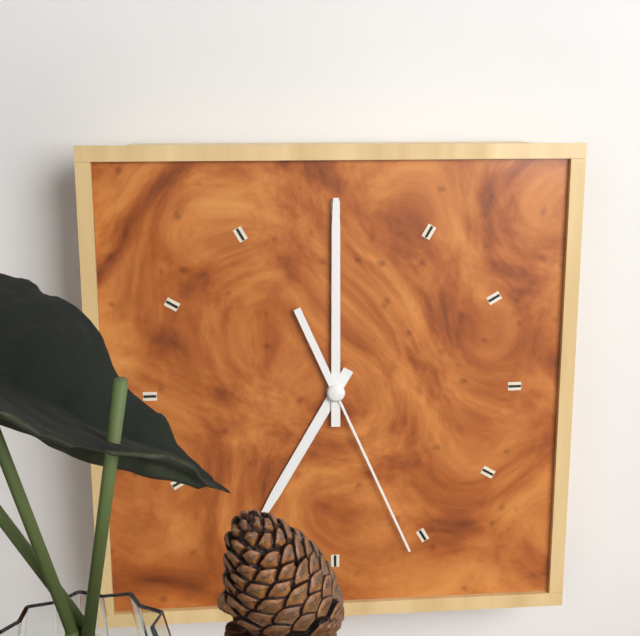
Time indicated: 7:00:26
